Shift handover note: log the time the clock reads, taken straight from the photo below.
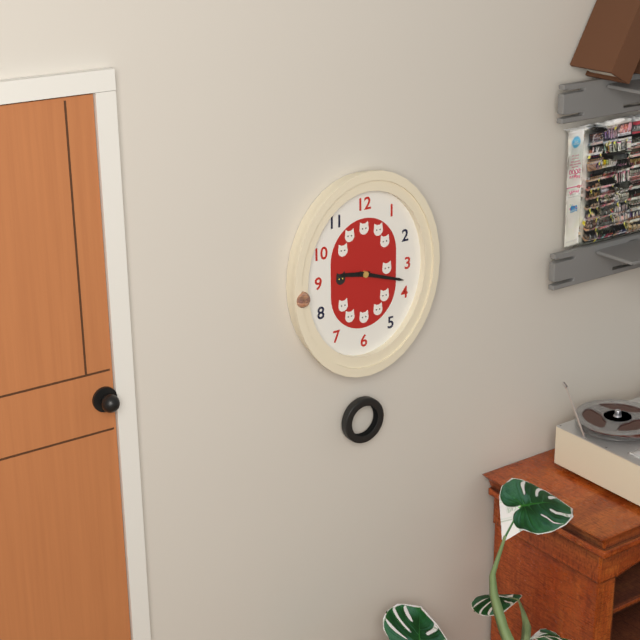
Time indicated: 9:18
